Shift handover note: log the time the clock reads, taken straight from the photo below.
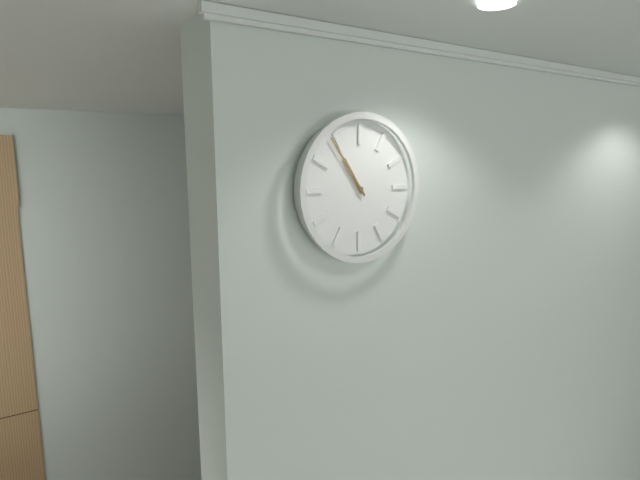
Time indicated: 10:54
